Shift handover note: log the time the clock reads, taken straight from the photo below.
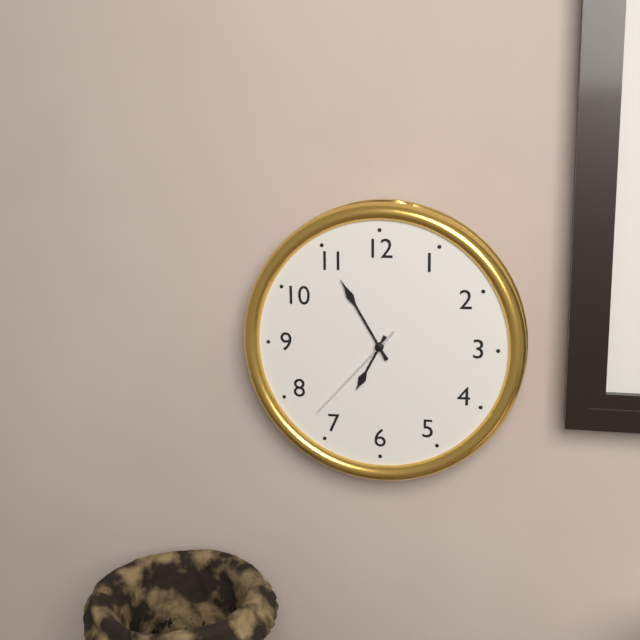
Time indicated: 6:55:37
